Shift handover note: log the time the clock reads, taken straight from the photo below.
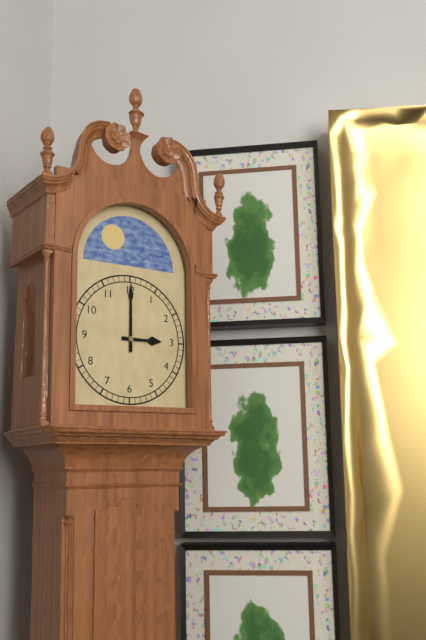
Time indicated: 3:00
